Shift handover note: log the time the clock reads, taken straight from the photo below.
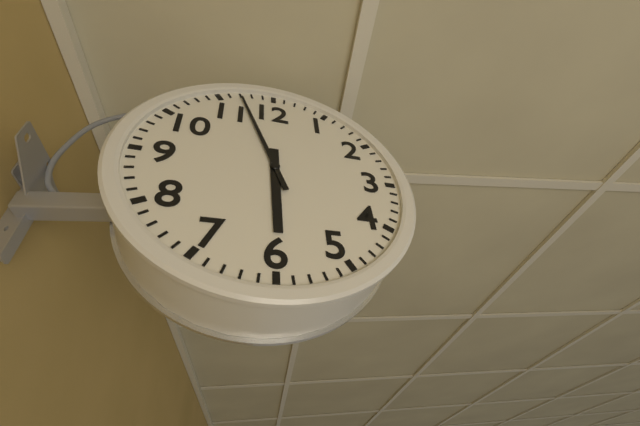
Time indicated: 5:57
